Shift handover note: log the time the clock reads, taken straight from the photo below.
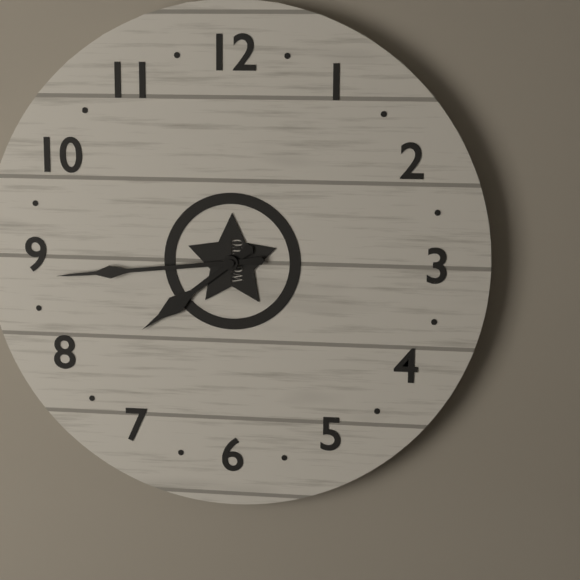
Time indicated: 7:44
